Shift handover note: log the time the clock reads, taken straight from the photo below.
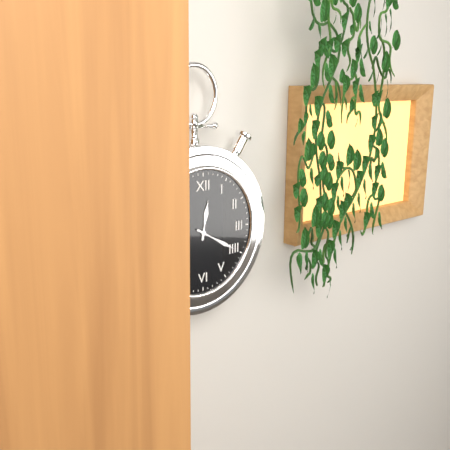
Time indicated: 12:20
